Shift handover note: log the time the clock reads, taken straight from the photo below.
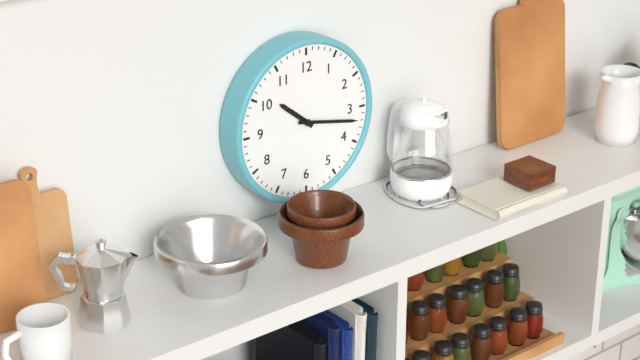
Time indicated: 10:17
